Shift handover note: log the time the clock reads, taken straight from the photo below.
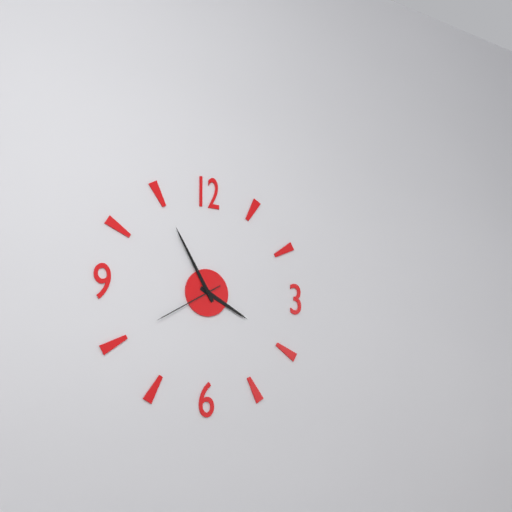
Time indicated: 3:55:40
